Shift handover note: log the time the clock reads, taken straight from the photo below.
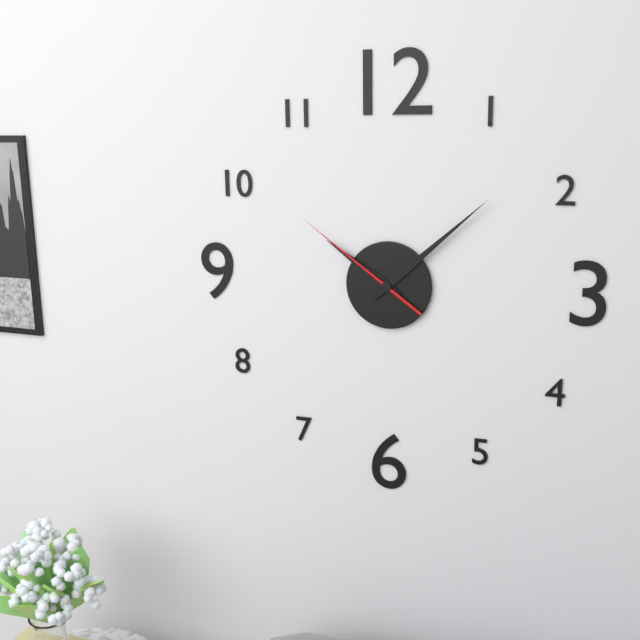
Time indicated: 10:08:51
